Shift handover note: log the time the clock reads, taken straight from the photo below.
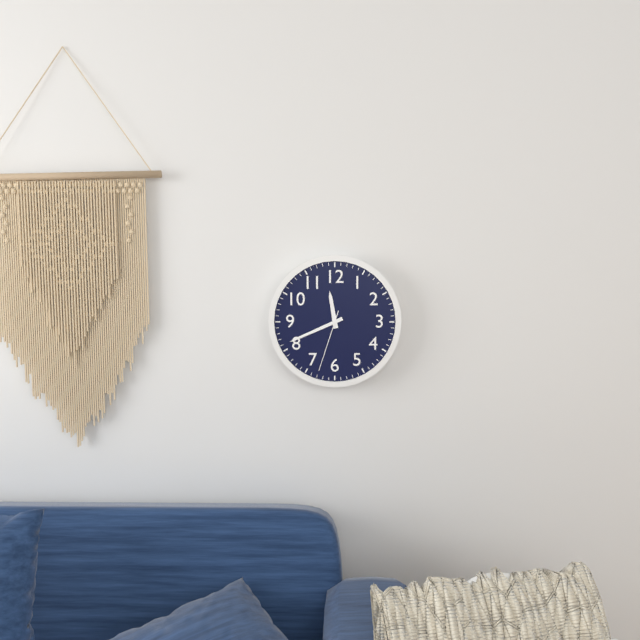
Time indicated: 11:41:33
